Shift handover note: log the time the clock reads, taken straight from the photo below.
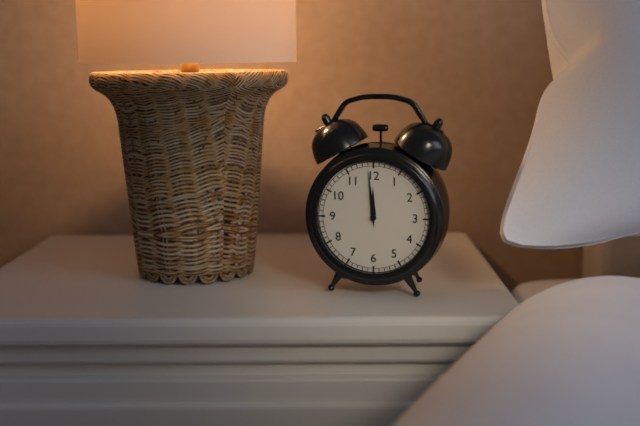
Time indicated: 11:59
